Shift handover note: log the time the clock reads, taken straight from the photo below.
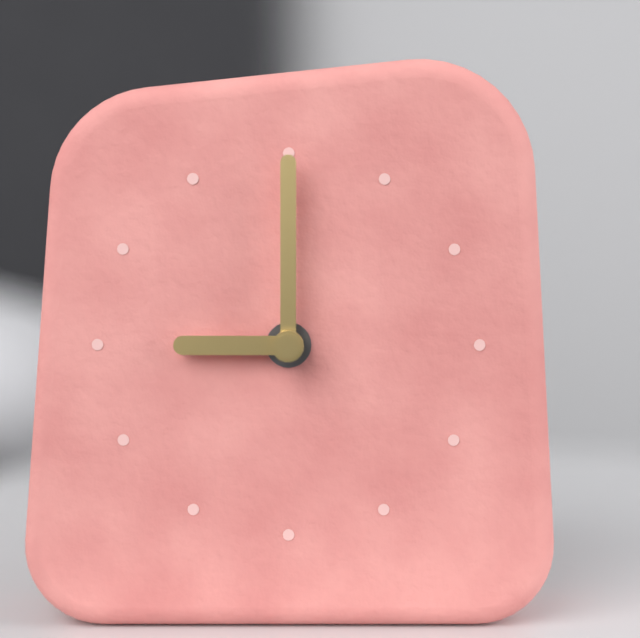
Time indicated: 9:00
